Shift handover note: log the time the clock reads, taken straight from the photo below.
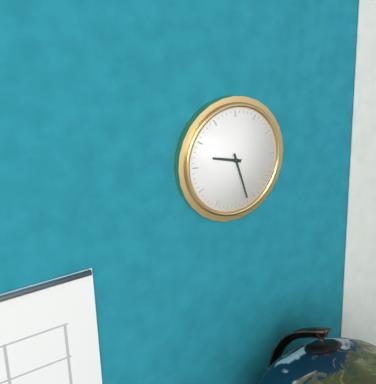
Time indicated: 9:27
